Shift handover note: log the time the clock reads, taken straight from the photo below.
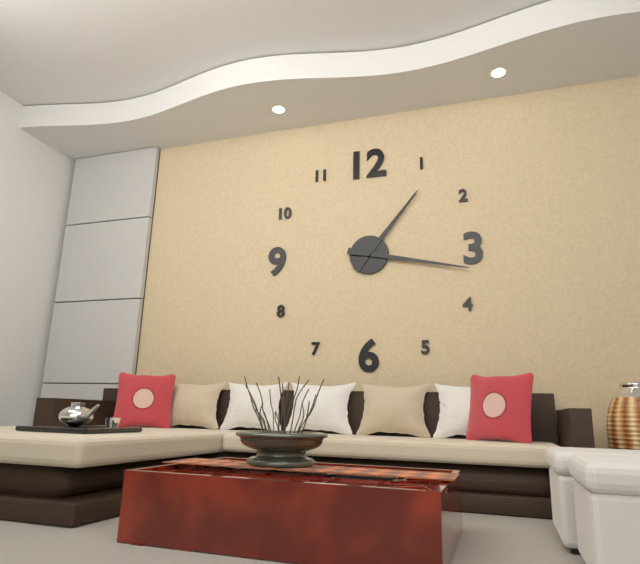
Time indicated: 1:17
